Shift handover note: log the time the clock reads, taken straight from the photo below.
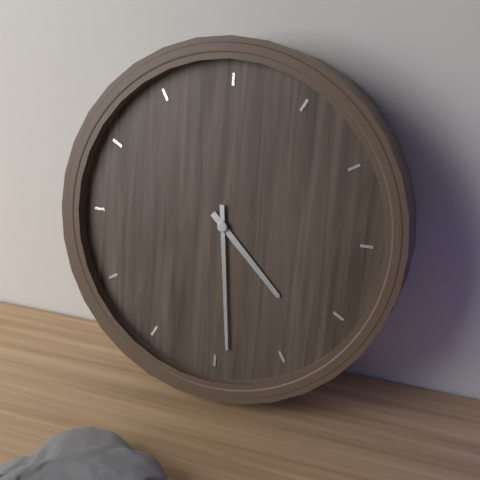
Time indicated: 4:29
